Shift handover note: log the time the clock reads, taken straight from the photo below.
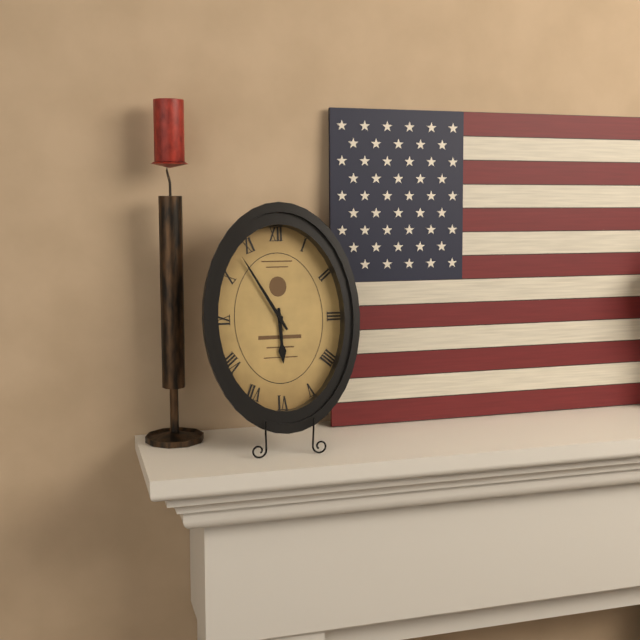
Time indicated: 5:55
